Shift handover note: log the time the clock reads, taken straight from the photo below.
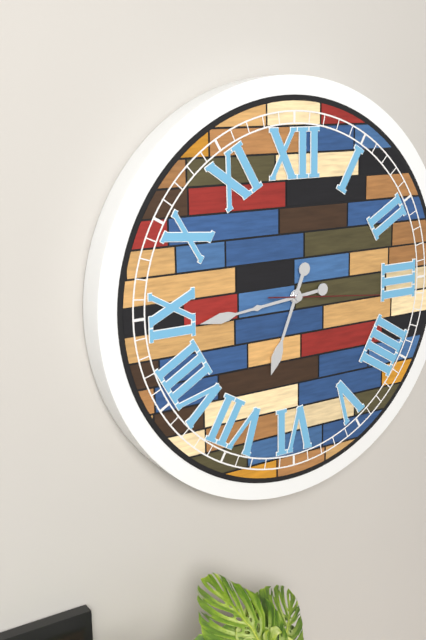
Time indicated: 6:44:16
